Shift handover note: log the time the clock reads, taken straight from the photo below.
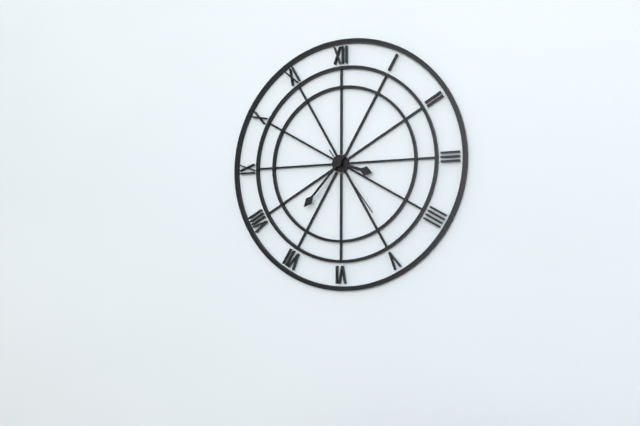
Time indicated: 3:37:24
